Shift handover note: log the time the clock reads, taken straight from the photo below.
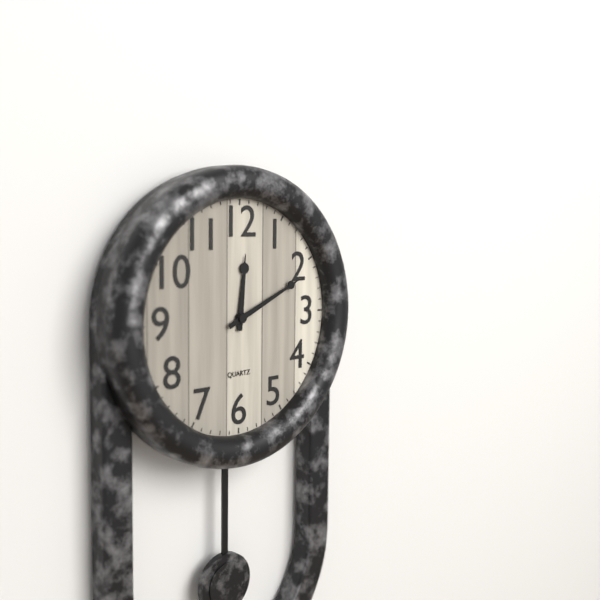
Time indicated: 12:11
